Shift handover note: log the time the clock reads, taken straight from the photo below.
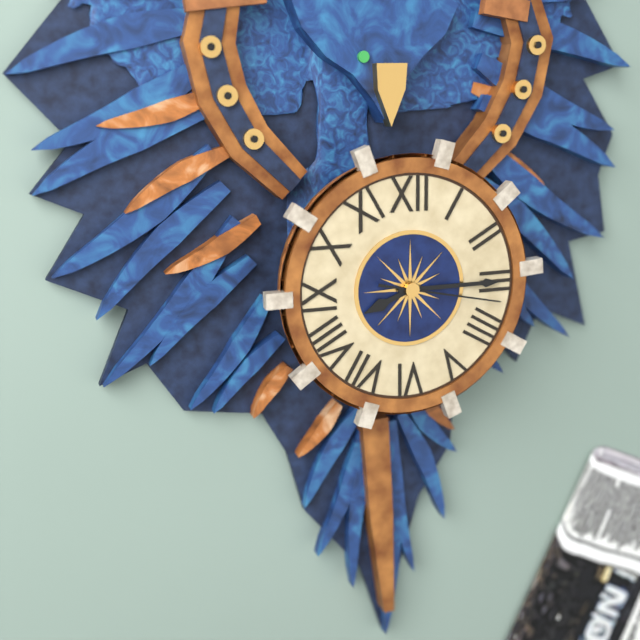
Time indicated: 8:15:17
